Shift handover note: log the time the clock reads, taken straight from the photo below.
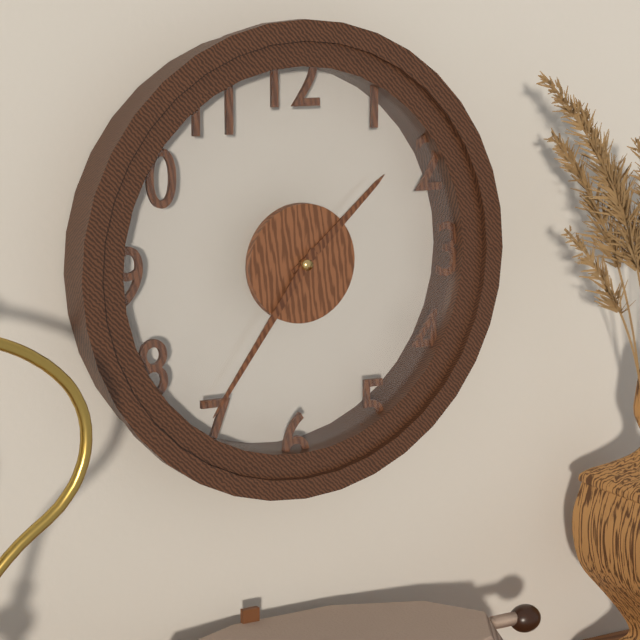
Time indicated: 1:36
